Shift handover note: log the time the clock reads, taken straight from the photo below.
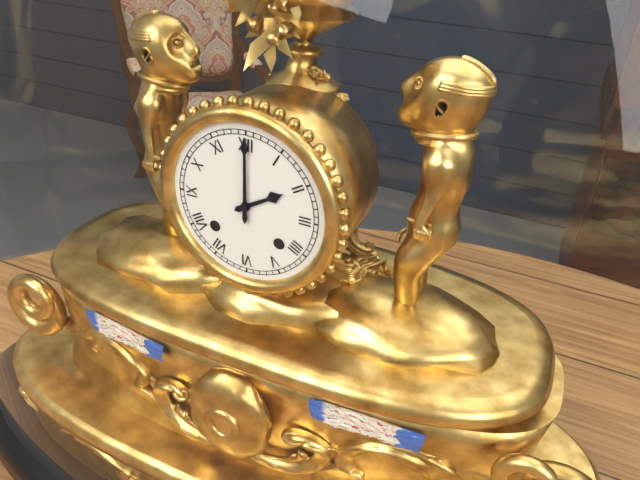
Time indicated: 2:00
